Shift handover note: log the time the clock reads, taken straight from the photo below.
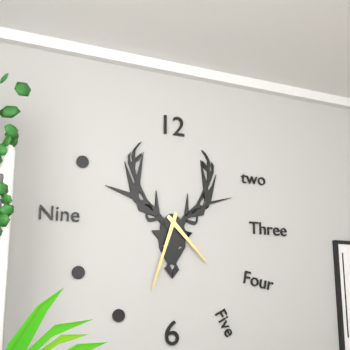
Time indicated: 4:33
